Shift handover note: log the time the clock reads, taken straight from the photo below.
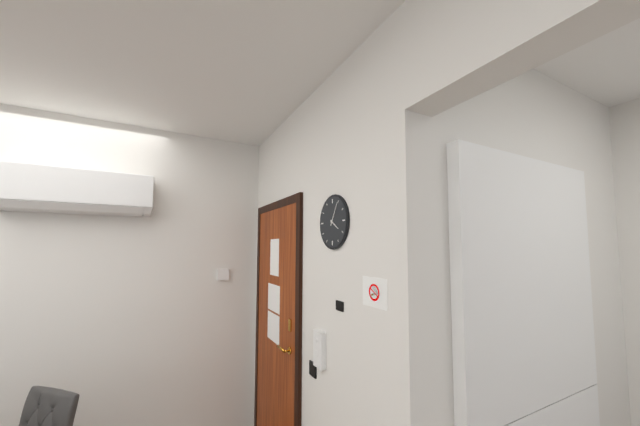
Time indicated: 4:05
